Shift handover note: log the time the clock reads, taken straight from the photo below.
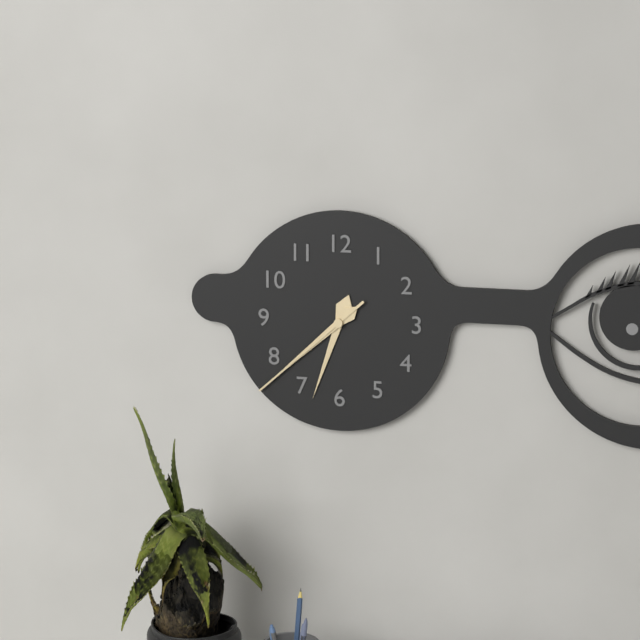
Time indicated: 6:38:38
